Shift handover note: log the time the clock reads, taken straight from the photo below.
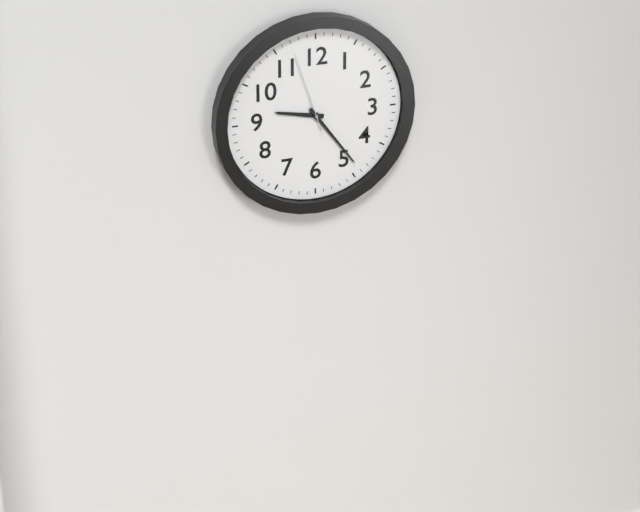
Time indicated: 9:24:57
